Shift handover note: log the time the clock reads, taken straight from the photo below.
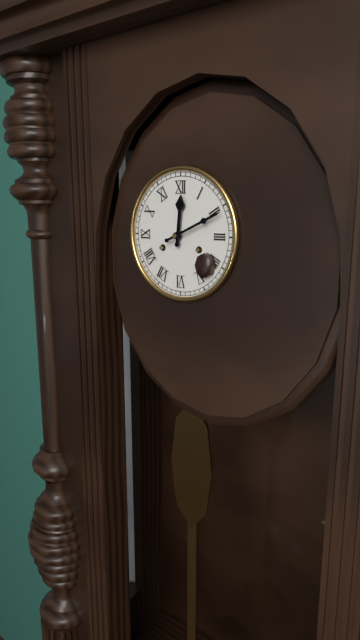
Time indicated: 12:11
